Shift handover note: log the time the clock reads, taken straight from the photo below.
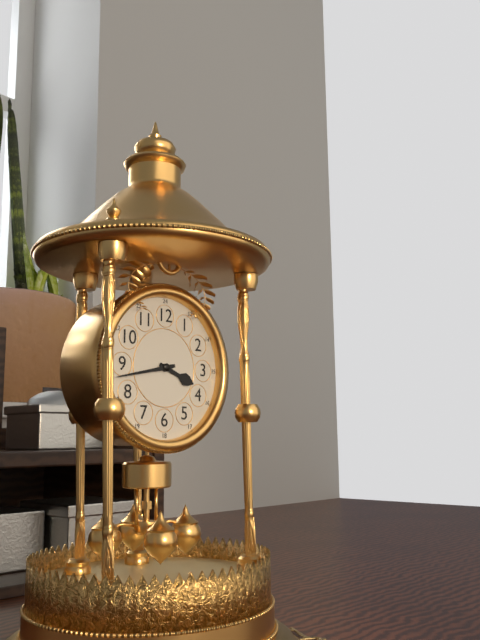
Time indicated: 3:43
